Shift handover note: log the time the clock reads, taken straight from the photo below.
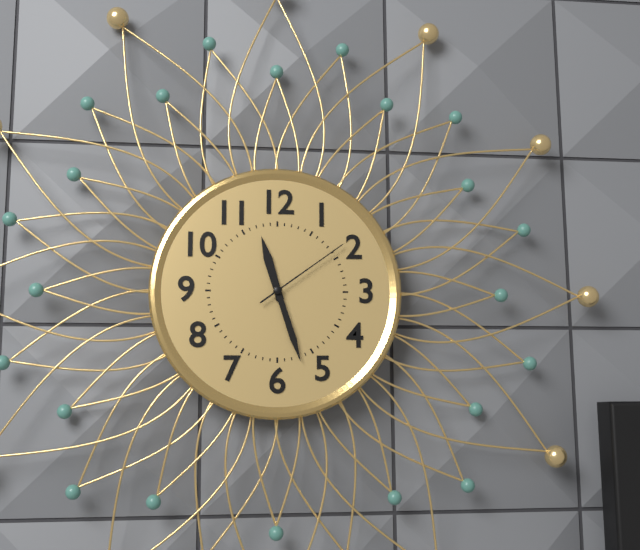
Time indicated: 11:27:09
